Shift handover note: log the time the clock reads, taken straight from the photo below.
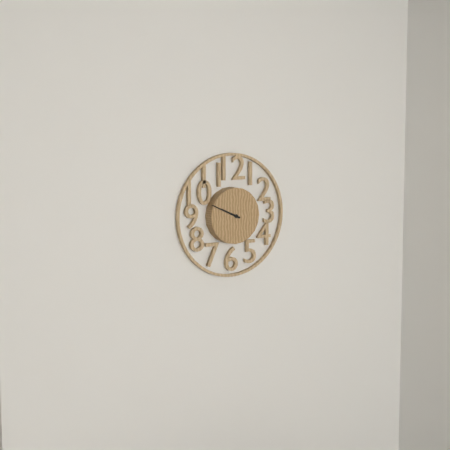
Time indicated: 9:49
